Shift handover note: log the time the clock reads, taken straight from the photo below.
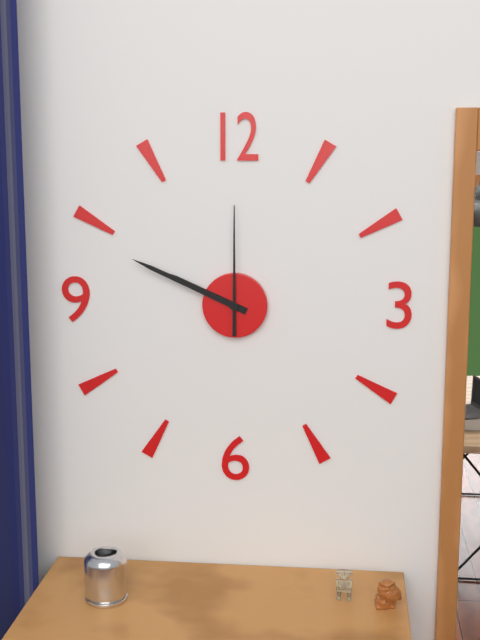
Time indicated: 9:49:00
